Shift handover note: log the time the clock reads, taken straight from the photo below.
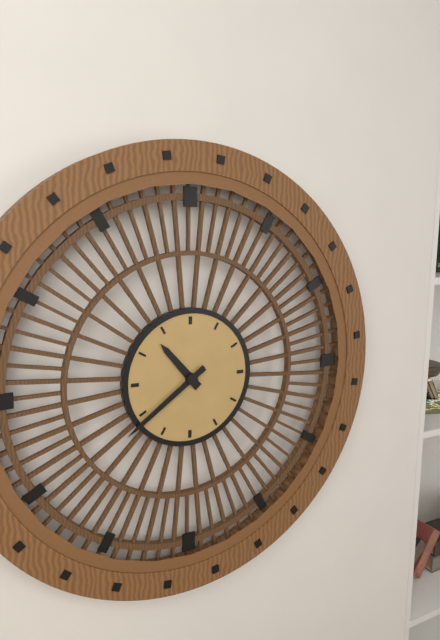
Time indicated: 10:39
